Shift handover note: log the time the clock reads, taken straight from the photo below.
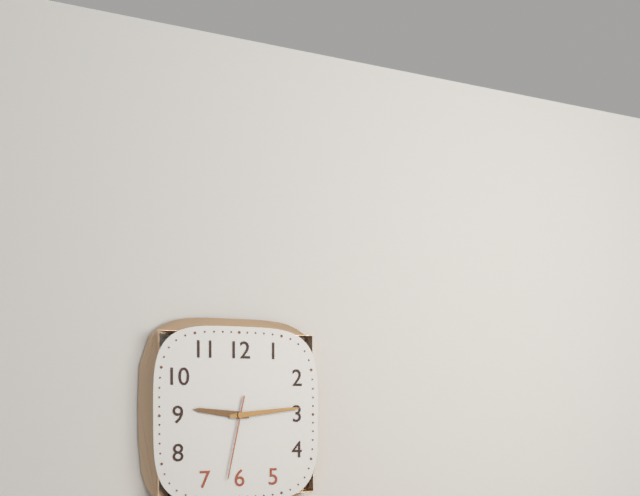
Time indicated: 9:14:32
